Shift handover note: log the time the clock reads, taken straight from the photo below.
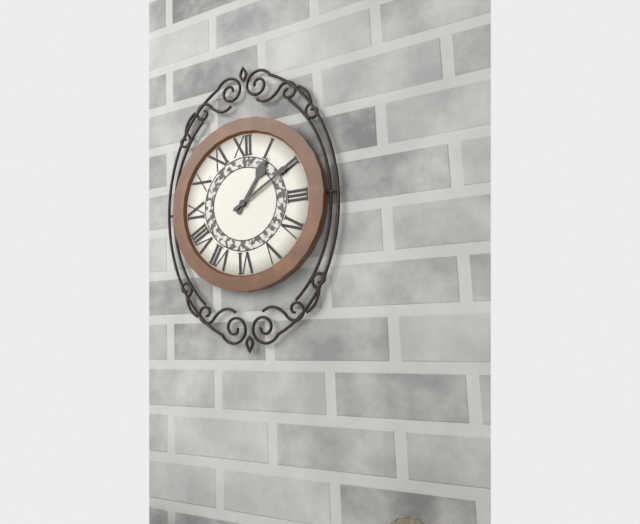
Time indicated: 1:10
